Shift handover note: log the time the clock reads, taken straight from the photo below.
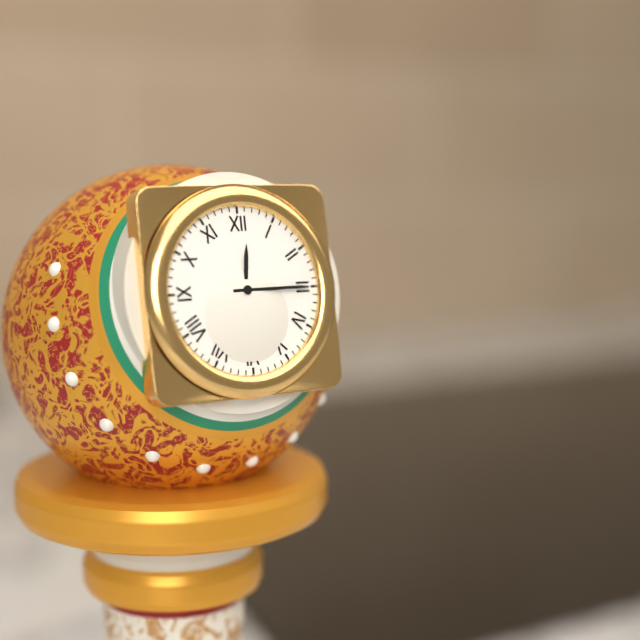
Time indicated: 12:15
